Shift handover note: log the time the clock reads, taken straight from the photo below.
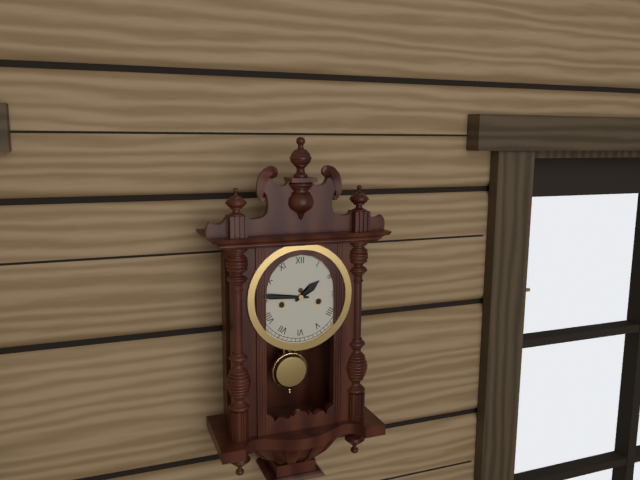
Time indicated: 1:46
